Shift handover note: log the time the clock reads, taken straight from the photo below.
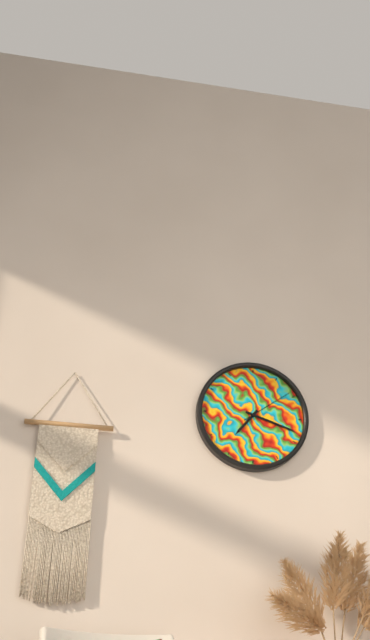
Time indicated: 7:18:09
